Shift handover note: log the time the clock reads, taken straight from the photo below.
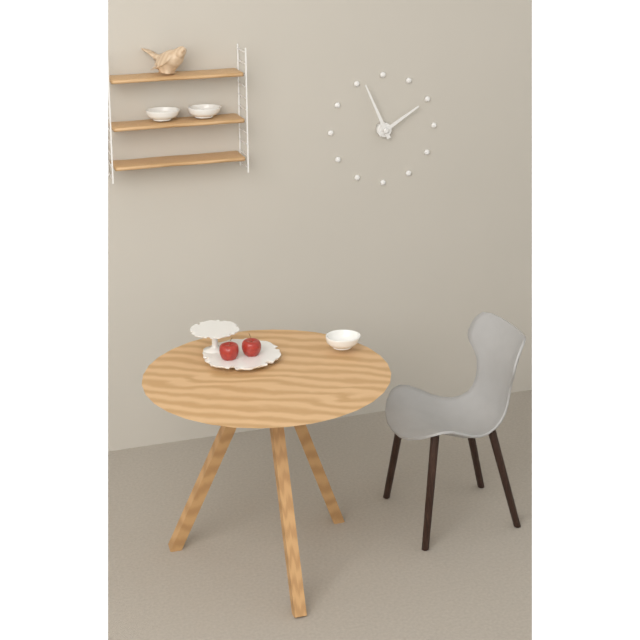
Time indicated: 1:56
